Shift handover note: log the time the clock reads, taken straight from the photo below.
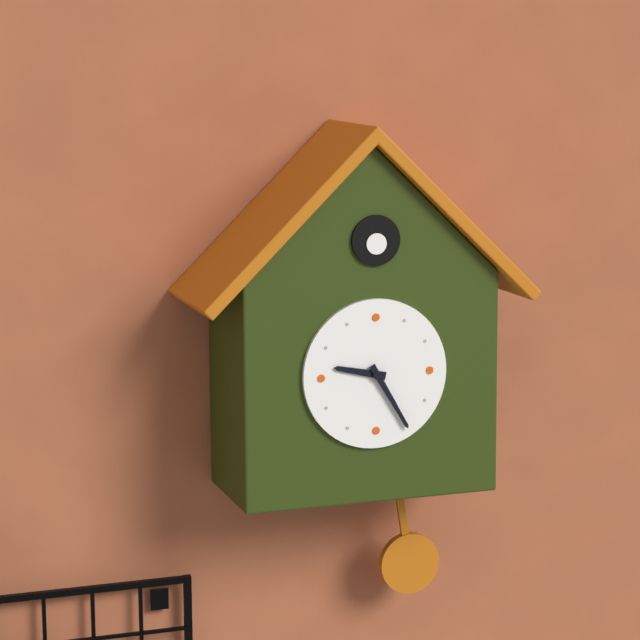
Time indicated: 9:25
